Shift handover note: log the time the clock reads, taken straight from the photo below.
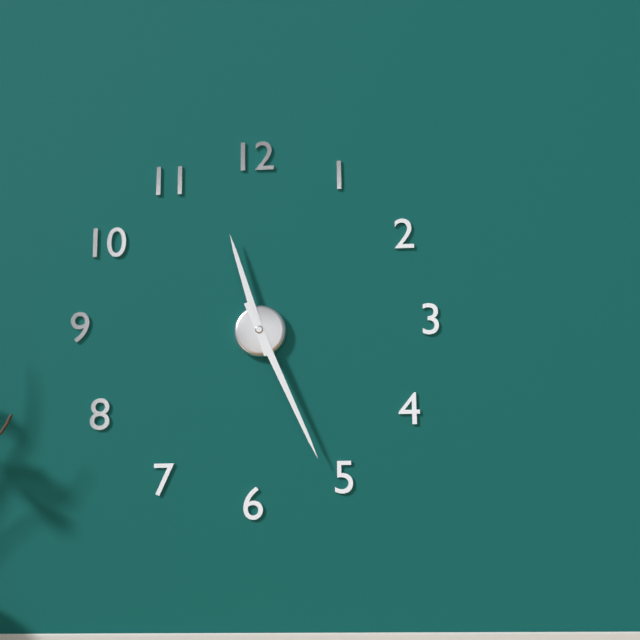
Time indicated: 11:26
